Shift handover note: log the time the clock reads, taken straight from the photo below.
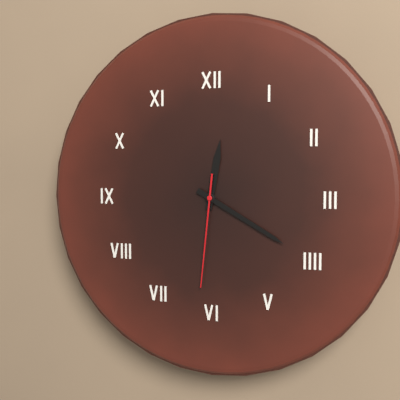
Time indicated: 12:20:31
